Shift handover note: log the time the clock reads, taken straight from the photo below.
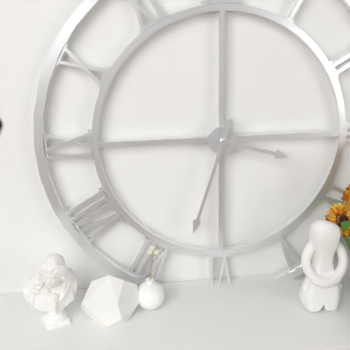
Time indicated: 3:33
